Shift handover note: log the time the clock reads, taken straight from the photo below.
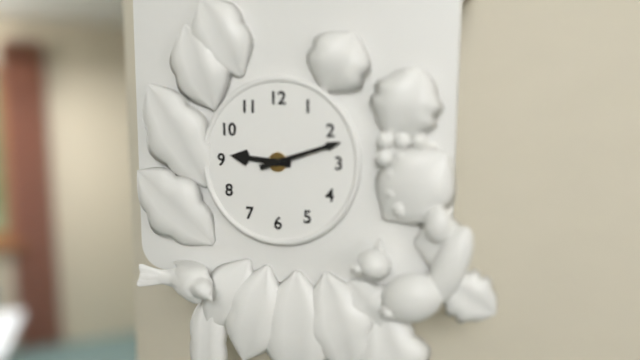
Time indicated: 9:12
